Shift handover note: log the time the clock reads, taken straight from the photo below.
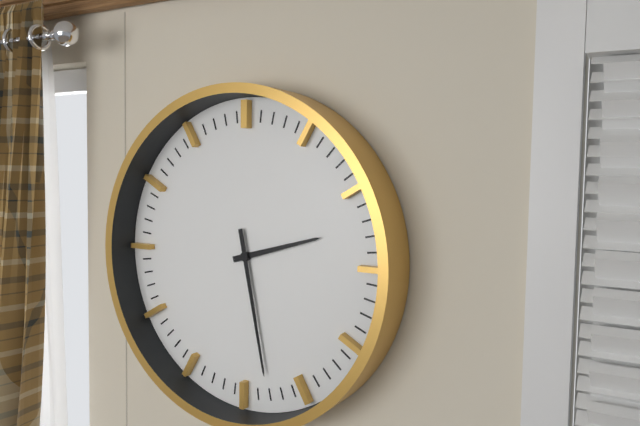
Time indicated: 2:28
